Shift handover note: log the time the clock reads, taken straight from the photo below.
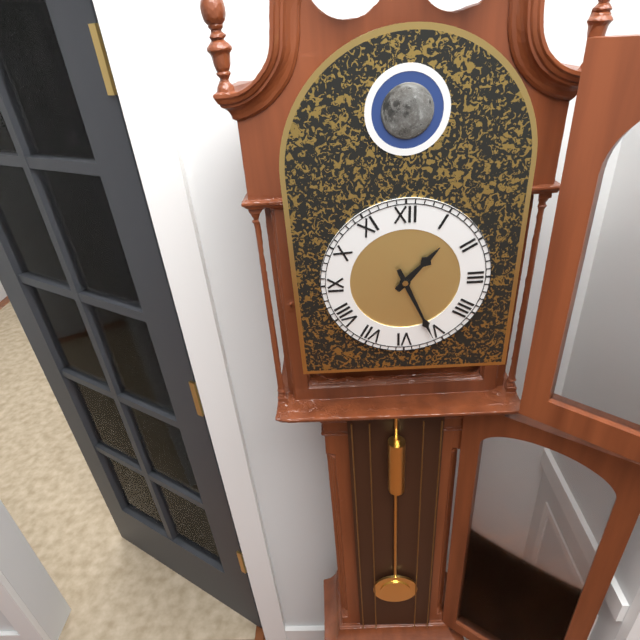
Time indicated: 1:26
